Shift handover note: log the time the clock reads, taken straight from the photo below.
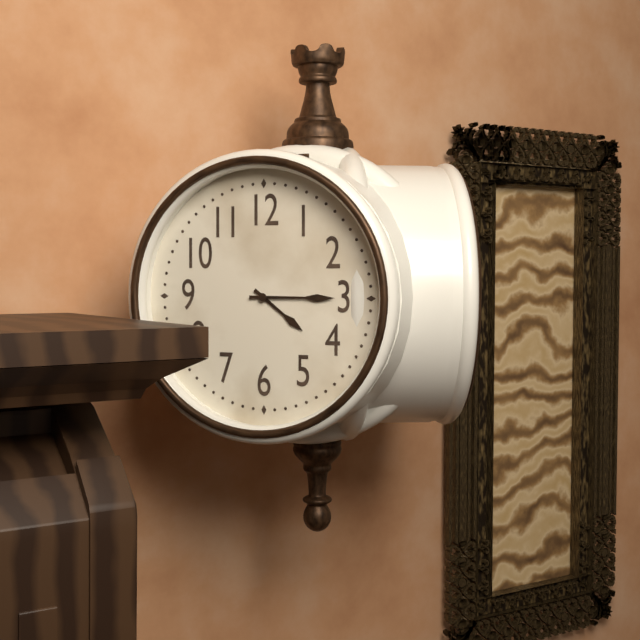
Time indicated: 4:15
